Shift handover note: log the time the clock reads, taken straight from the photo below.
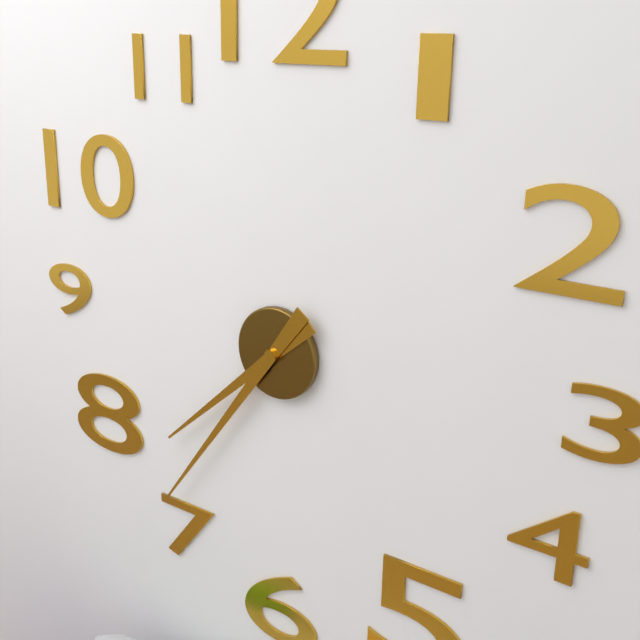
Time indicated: 7:36
